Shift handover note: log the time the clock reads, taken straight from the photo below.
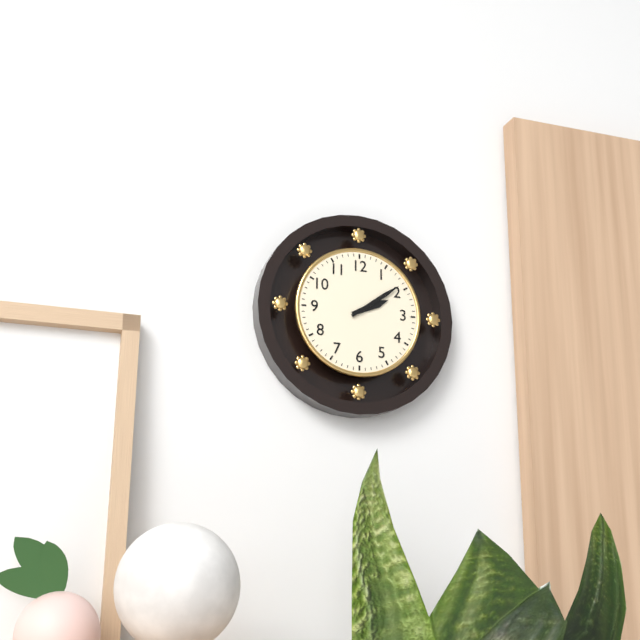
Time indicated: 2:09
